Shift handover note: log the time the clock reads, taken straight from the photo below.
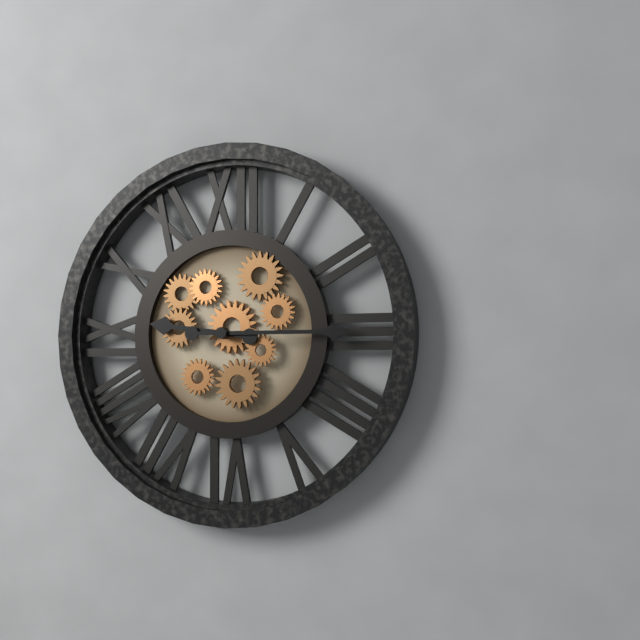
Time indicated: 9:15
